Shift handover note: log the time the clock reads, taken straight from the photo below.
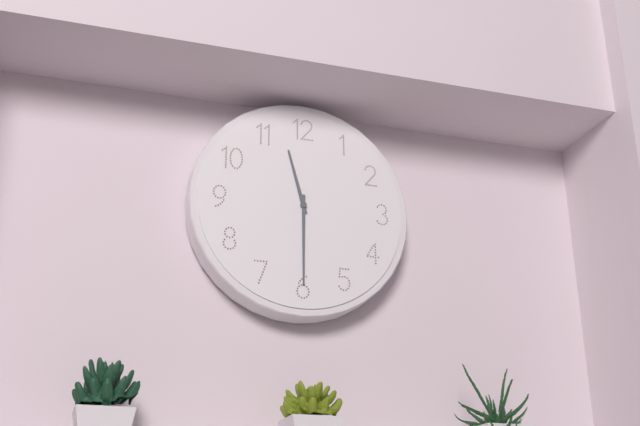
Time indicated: 11:30
